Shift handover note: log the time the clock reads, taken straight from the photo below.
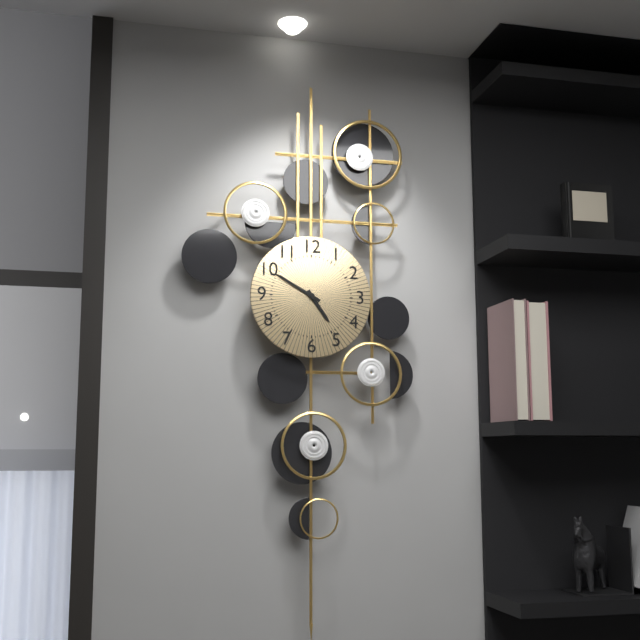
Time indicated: 4:50
